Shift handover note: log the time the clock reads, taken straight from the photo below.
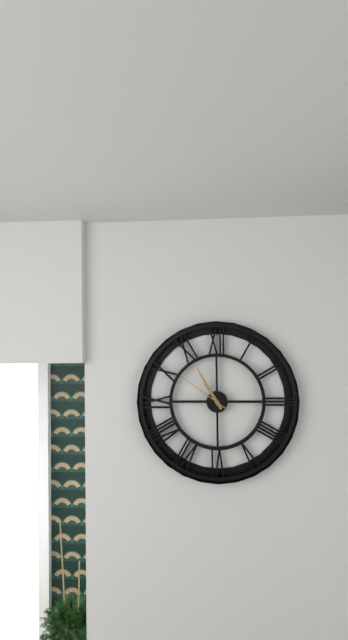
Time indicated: 10:55:51
